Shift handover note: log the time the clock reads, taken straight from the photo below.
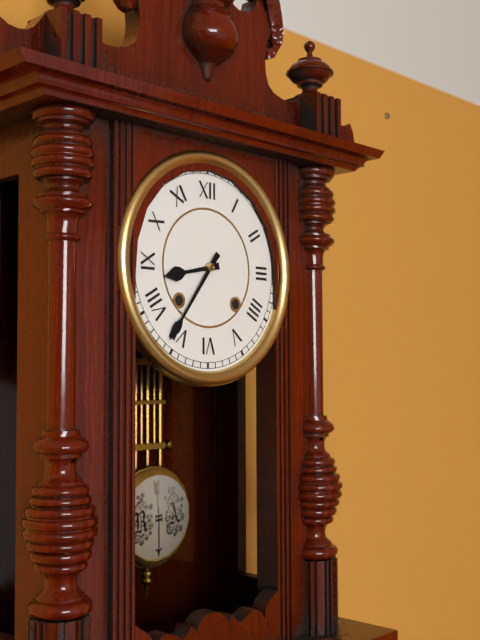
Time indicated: 8:36
